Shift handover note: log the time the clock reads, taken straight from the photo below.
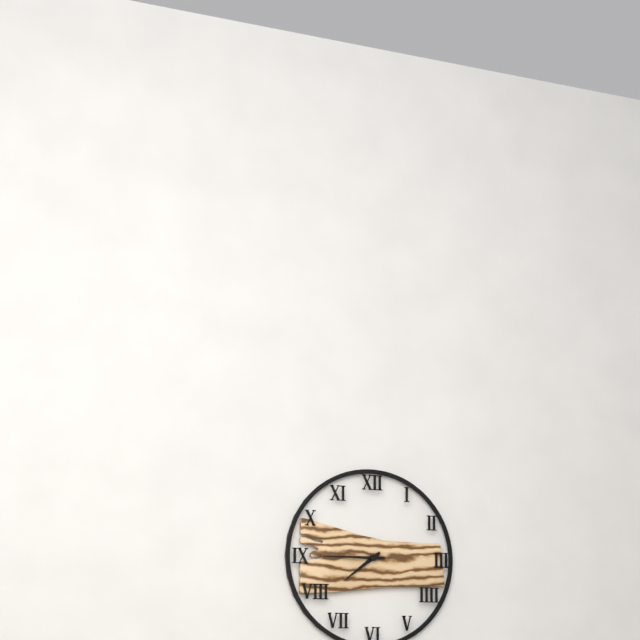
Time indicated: 7:45
